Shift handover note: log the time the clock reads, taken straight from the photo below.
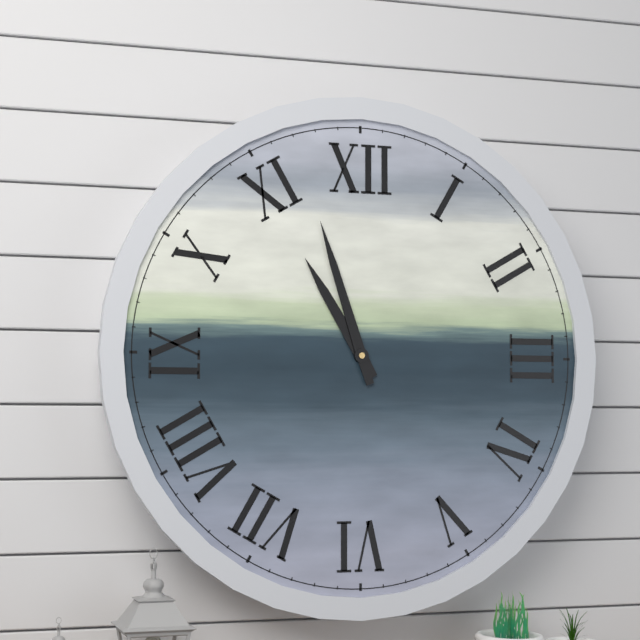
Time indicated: 10:57
